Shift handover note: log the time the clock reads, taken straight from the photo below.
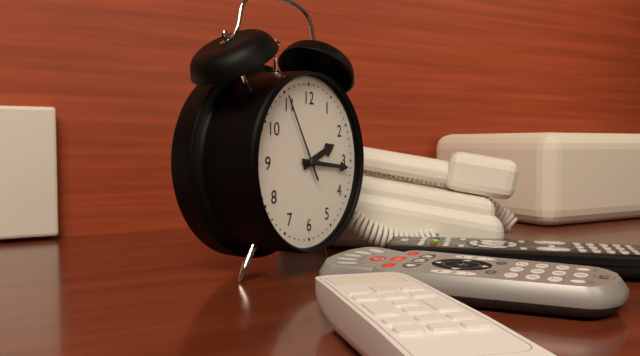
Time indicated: 2:16:55
